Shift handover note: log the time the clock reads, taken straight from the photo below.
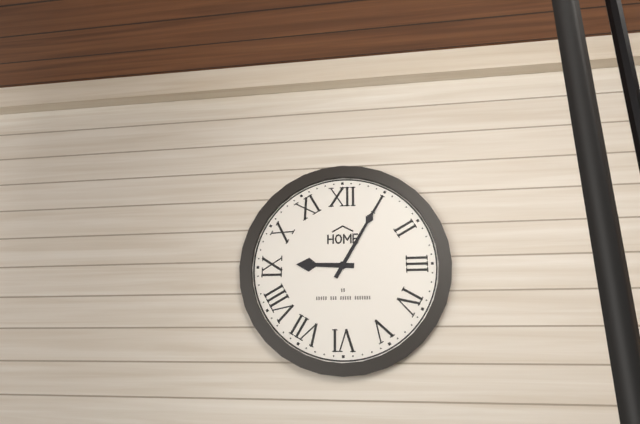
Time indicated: 9:05
